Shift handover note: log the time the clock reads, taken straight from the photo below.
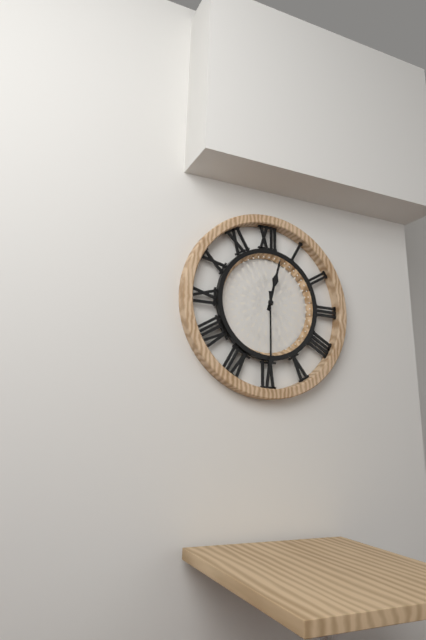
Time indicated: 12:30
